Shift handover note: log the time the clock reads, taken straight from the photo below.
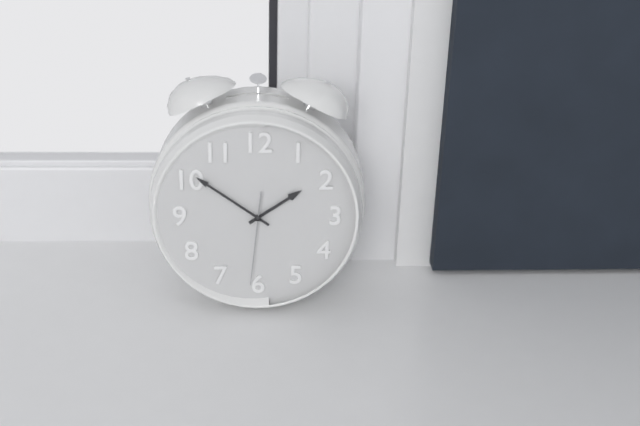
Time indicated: 1:51:31
